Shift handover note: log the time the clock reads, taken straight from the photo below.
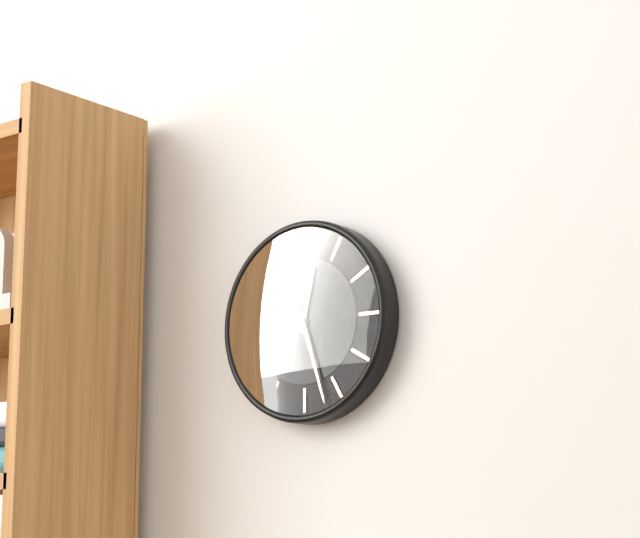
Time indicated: 12:27
